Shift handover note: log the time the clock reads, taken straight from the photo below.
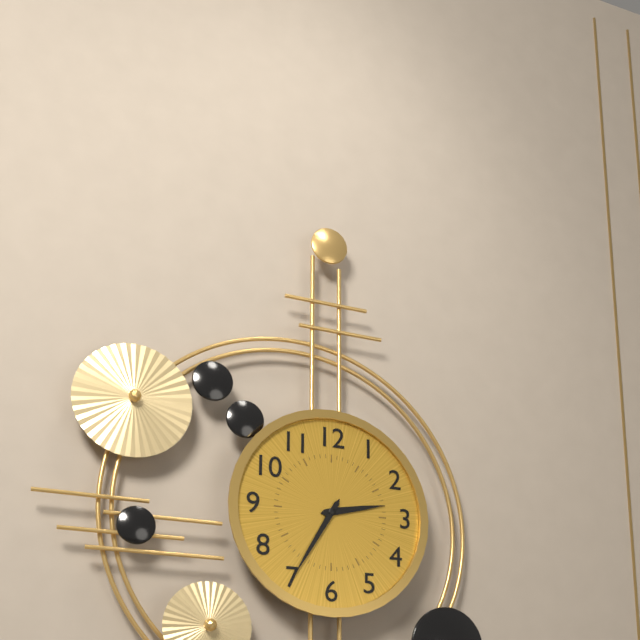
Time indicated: 2:35
